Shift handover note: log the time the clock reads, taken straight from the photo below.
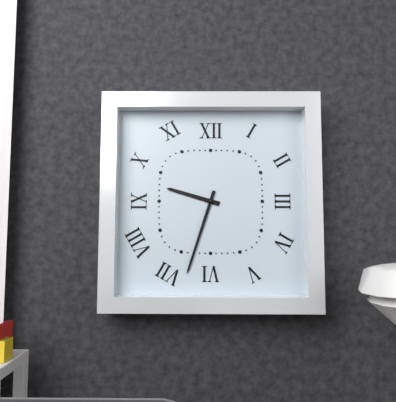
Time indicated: 9:33
